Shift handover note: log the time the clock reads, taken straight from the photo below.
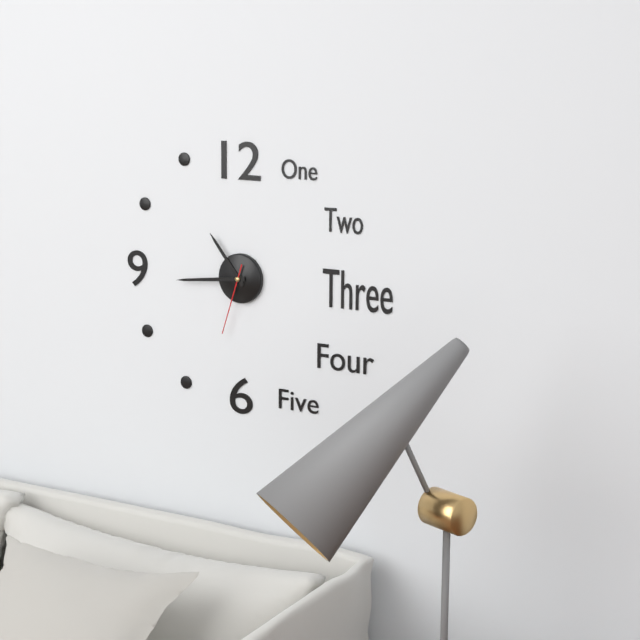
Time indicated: 10:44:33
